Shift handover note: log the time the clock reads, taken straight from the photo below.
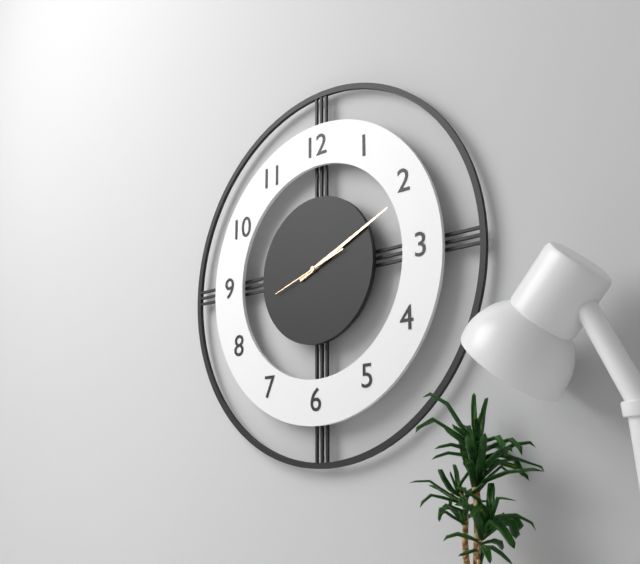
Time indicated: 2:11:42
